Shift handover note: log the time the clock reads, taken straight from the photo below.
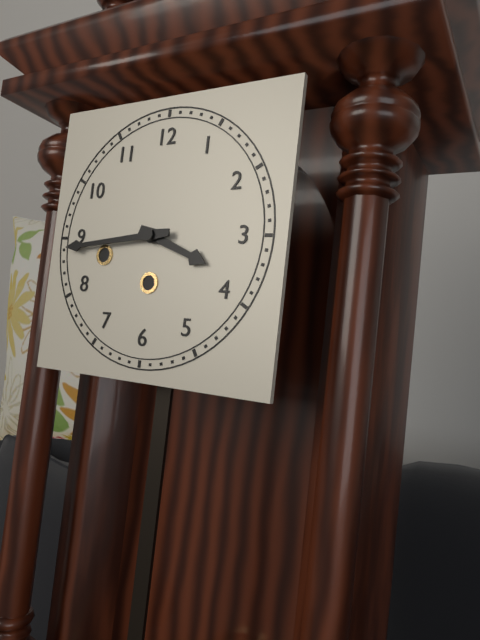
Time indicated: 3:44
